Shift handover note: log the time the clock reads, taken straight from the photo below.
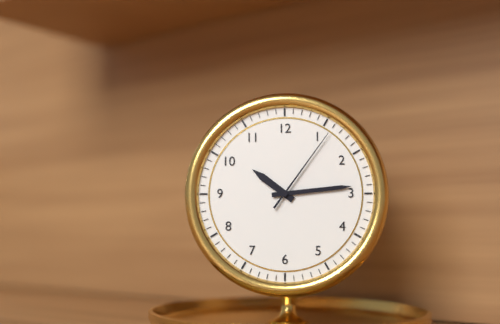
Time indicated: 10:14:06
